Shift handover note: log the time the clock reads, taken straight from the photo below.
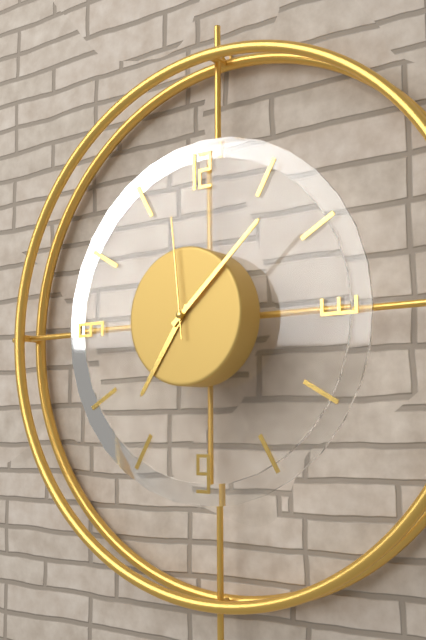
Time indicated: 7:08:59
